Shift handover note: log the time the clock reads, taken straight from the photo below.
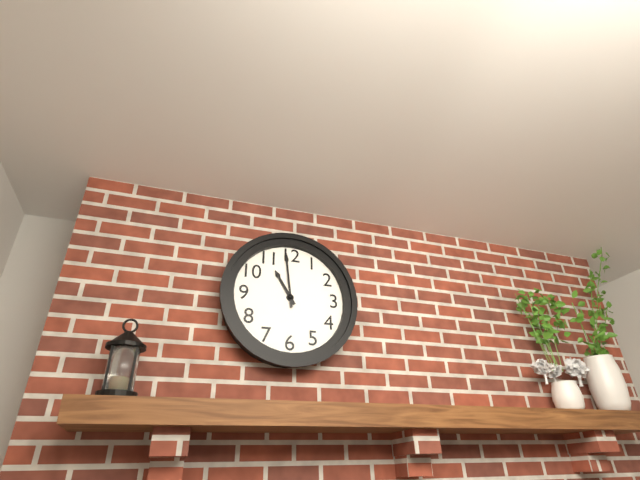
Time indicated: 10:59
